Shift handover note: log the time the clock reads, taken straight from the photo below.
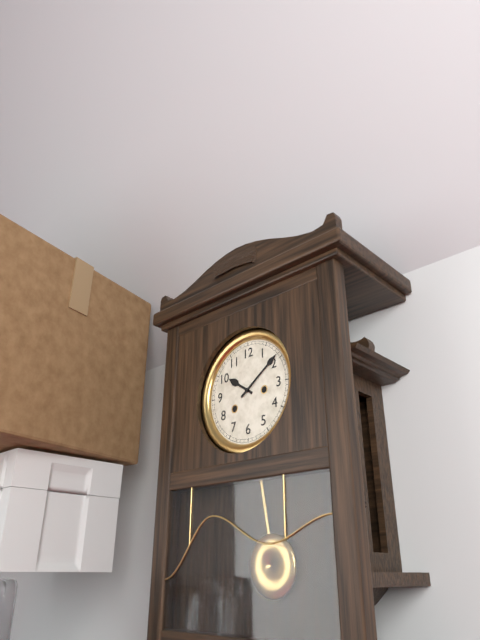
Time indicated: 10:09
